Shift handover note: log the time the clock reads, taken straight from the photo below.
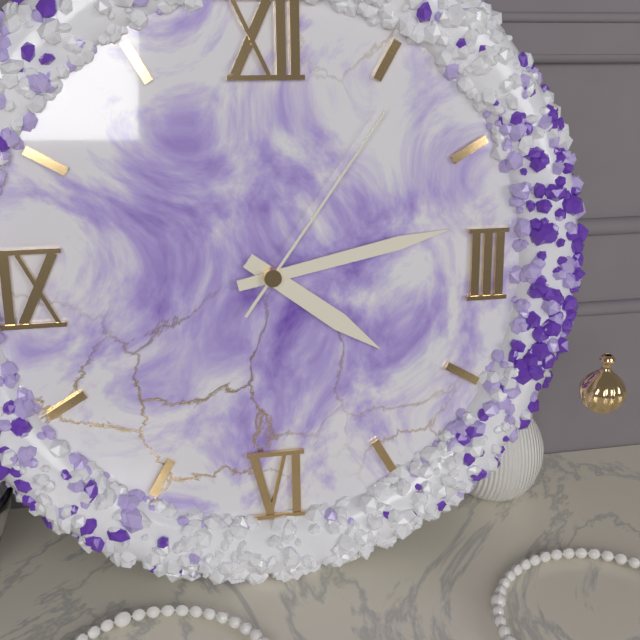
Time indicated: 4:13:06
